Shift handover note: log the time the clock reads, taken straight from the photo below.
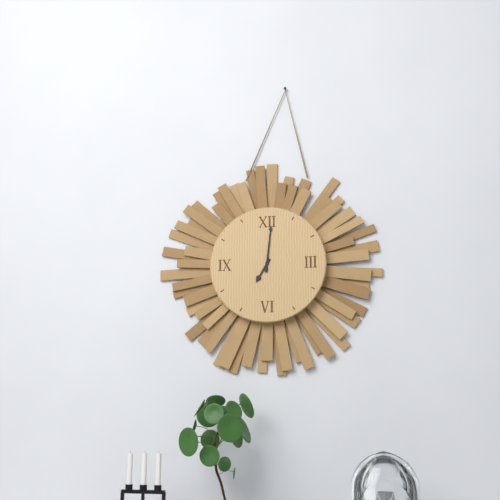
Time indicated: 7:01
